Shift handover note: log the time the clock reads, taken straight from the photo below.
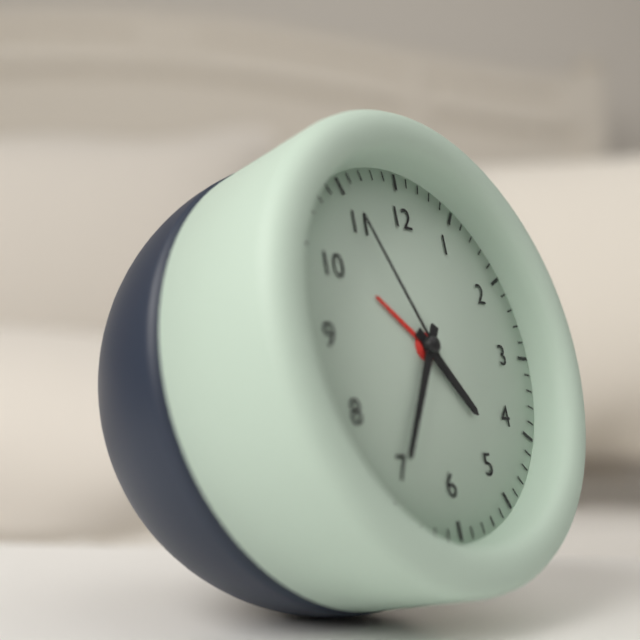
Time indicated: 4:35:55
